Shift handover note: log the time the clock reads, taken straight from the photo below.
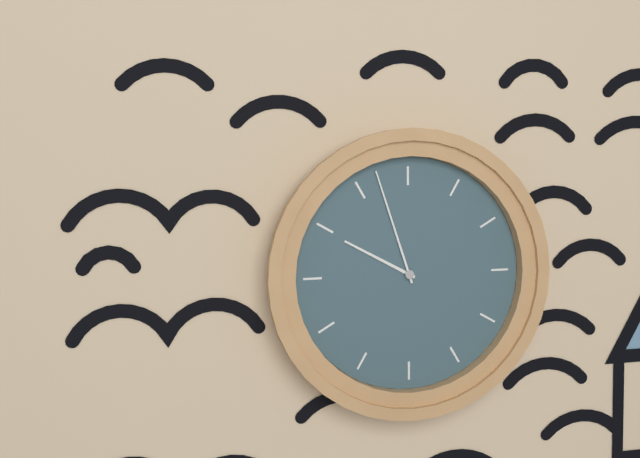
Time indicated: 9:57
